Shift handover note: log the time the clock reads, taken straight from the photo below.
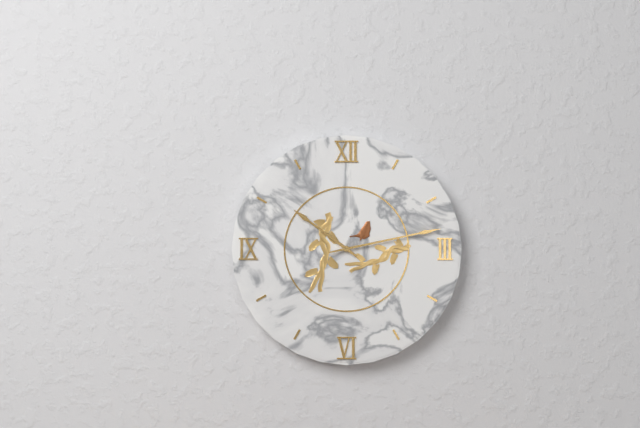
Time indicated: 10:13
